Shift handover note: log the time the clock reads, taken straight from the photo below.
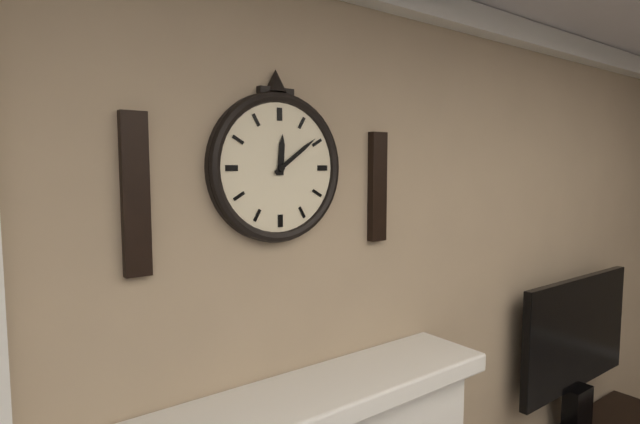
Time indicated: 12:09
